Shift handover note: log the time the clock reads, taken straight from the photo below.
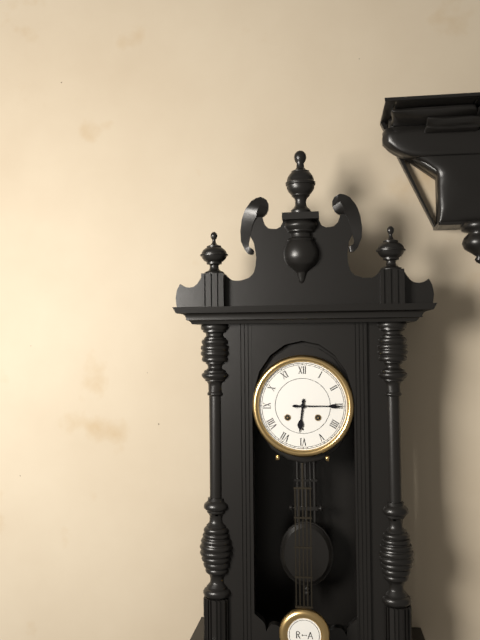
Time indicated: 6:15
